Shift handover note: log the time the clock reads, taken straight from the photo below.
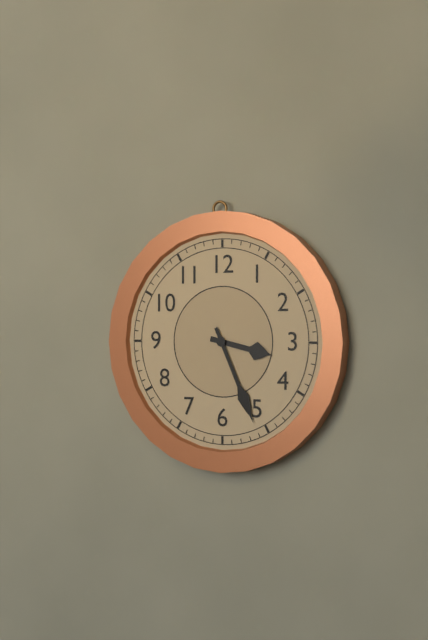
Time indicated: 3:26
